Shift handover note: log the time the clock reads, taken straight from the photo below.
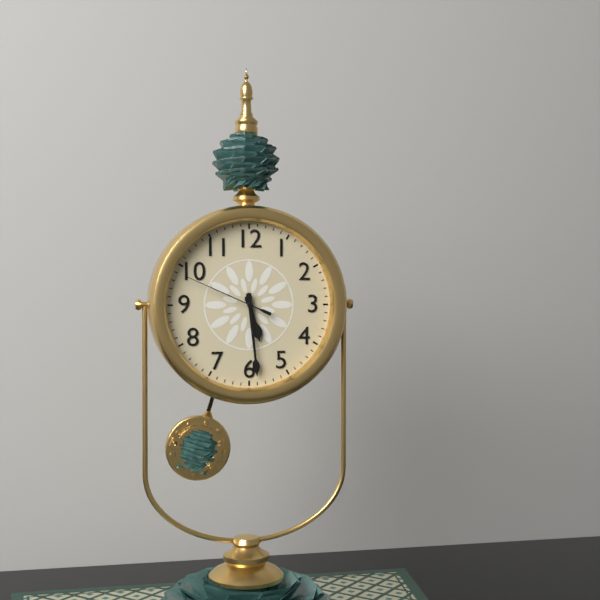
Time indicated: 5:29:49
